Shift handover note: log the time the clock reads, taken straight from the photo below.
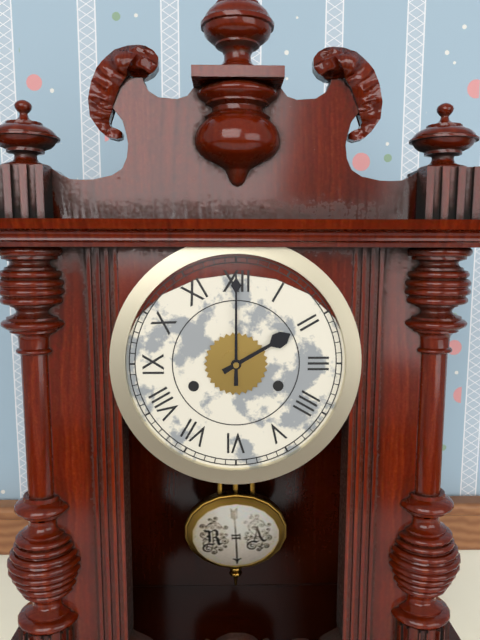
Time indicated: 2:00
